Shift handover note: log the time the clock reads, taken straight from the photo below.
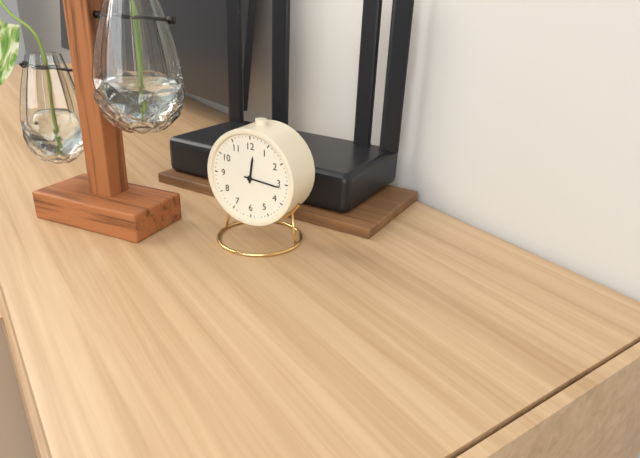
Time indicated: 12:16
